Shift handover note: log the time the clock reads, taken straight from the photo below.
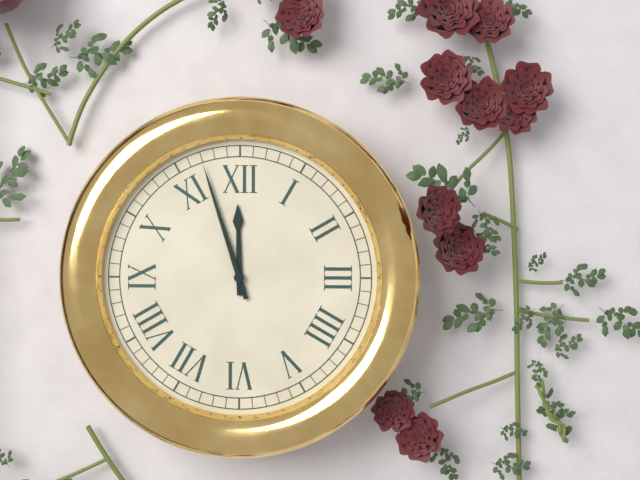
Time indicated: 11:57
